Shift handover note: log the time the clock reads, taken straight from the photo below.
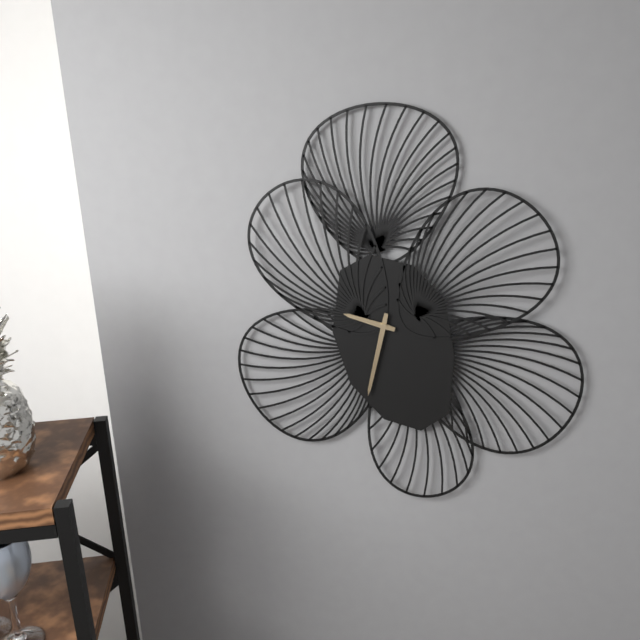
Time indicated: 9:32
